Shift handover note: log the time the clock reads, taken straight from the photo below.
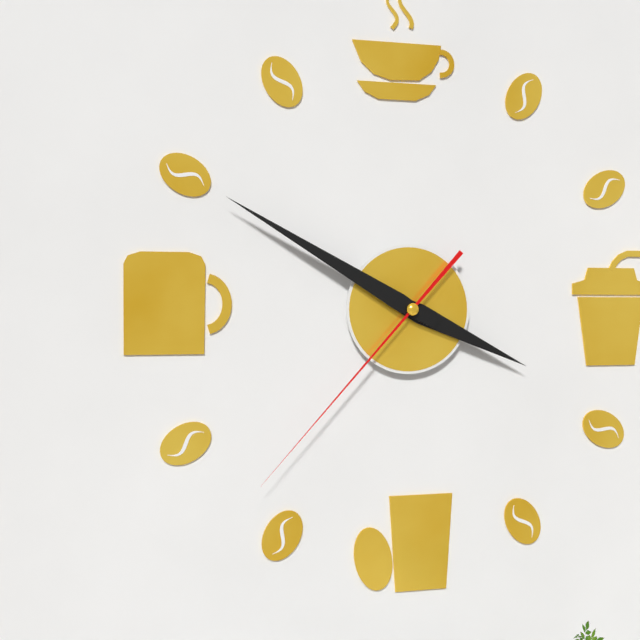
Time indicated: 3:50:37
